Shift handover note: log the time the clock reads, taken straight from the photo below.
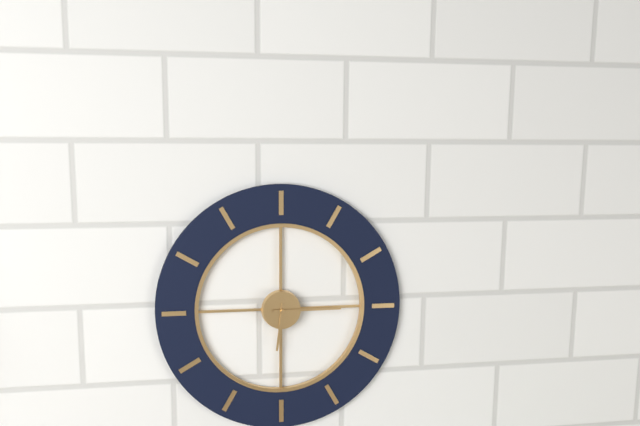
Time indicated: 6:15
